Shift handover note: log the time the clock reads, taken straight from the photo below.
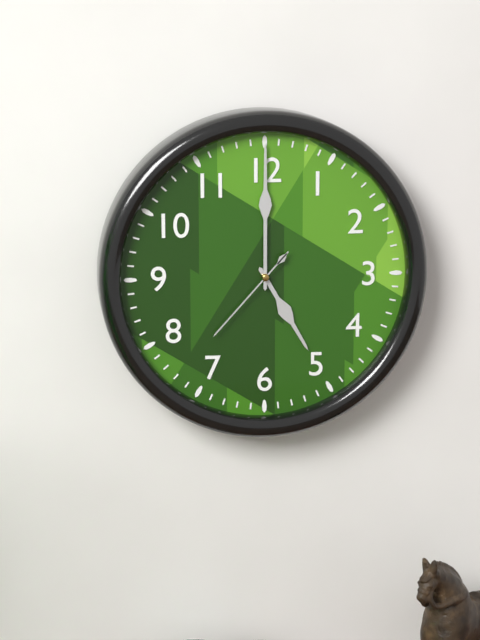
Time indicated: 5:00:37
